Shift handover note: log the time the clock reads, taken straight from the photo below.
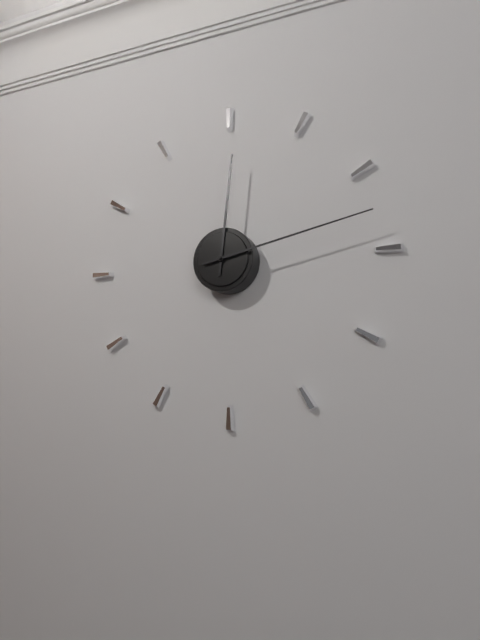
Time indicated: 12:13
